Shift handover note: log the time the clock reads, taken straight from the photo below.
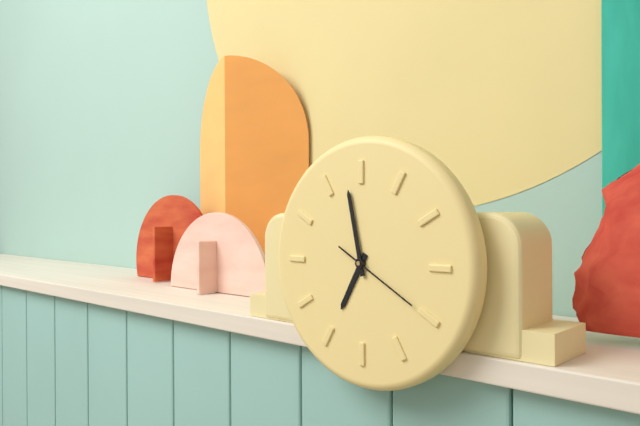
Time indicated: 6:58:20
